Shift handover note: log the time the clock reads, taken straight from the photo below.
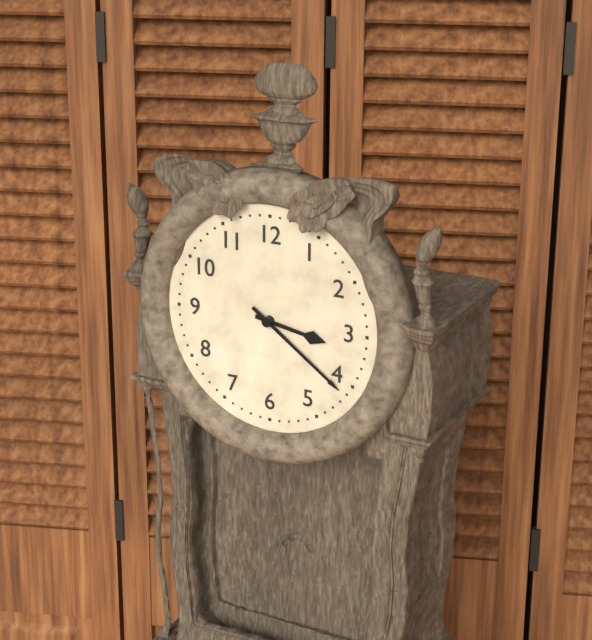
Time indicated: 3:21
